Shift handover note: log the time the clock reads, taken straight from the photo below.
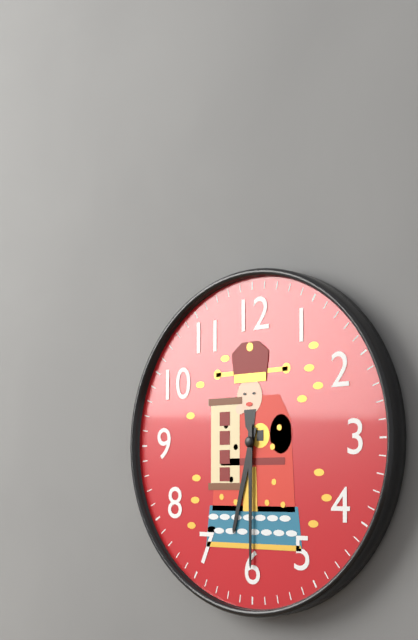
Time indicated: 6:30
